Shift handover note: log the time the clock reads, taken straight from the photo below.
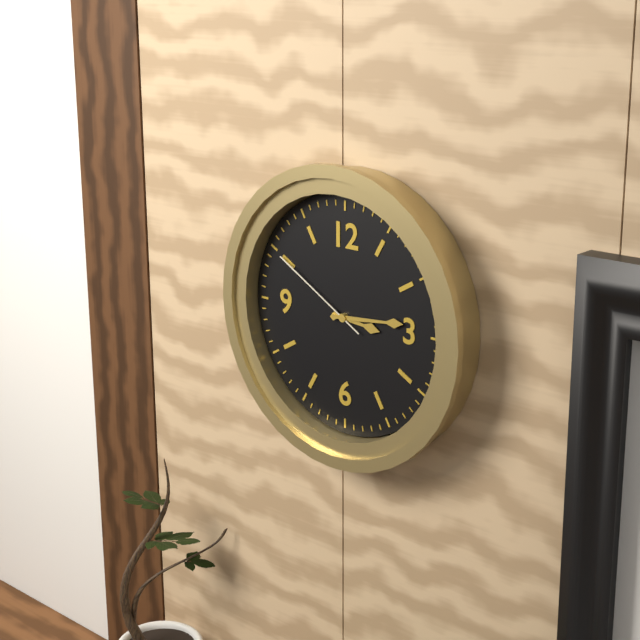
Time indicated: 3:14:50
